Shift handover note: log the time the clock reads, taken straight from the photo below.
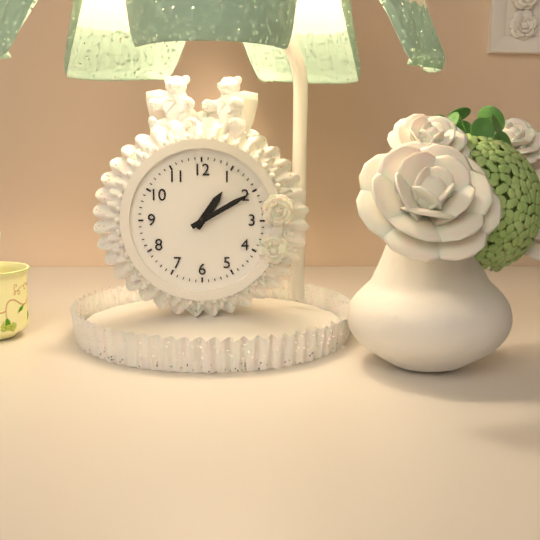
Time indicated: 1:10
